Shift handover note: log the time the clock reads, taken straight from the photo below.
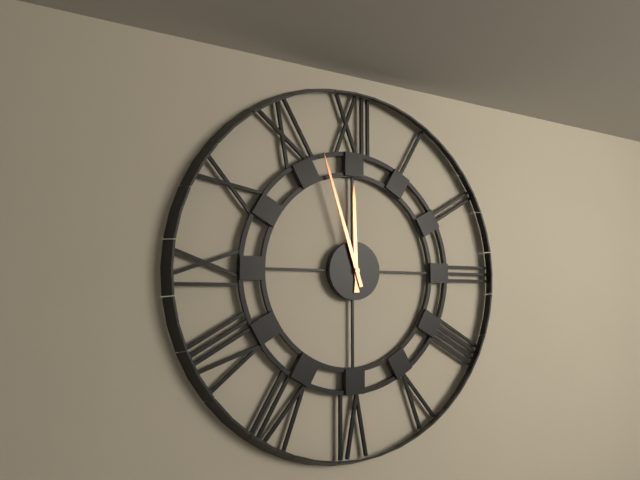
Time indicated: 11:57
